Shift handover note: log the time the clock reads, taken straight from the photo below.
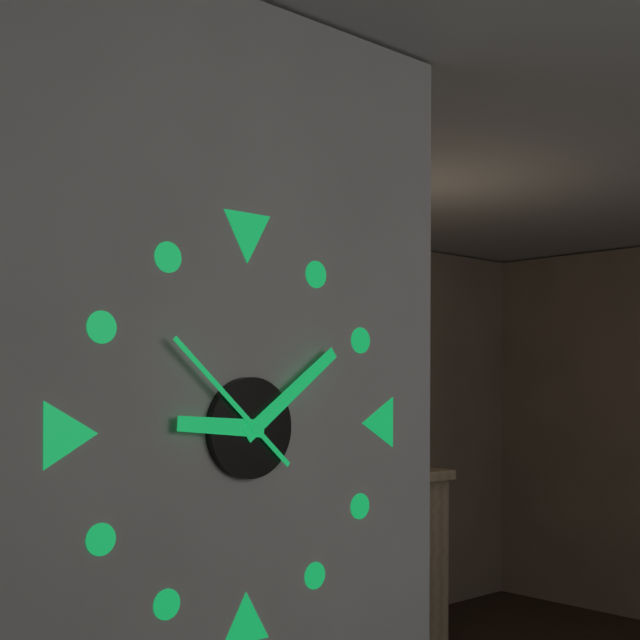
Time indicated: 9:09:52
